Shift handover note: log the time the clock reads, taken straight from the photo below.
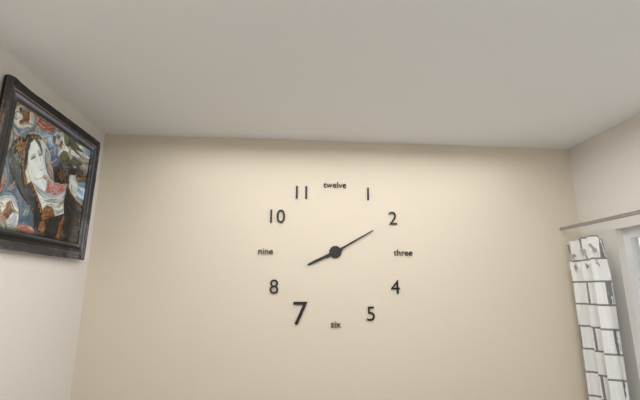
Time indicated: 8:10
